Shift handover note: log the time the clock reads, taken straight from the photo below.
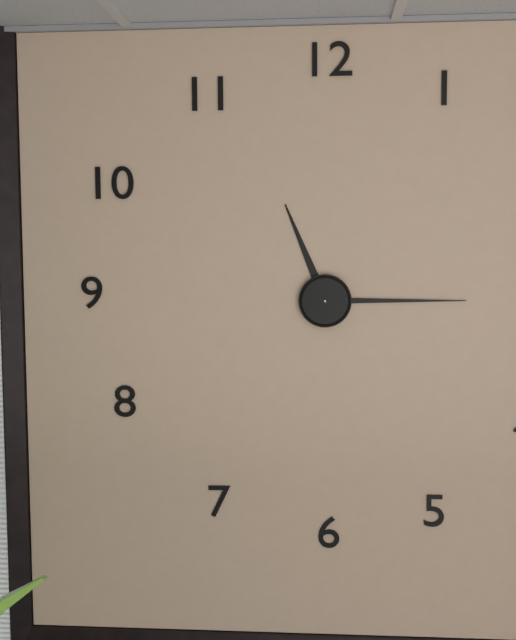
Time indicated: 11:15
